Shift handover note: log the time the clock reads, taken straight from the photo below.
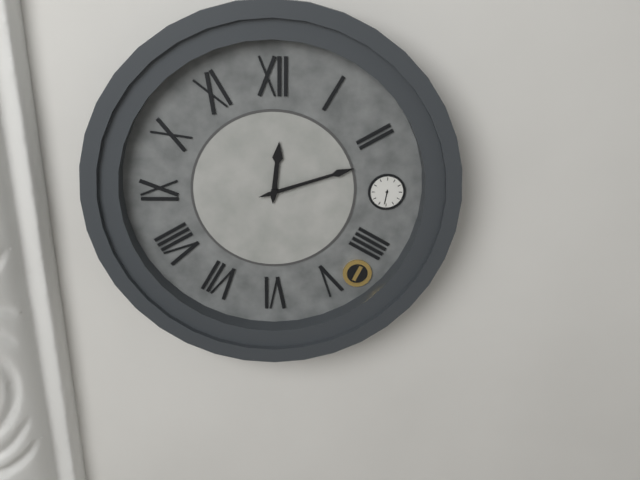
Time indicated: 12:12
